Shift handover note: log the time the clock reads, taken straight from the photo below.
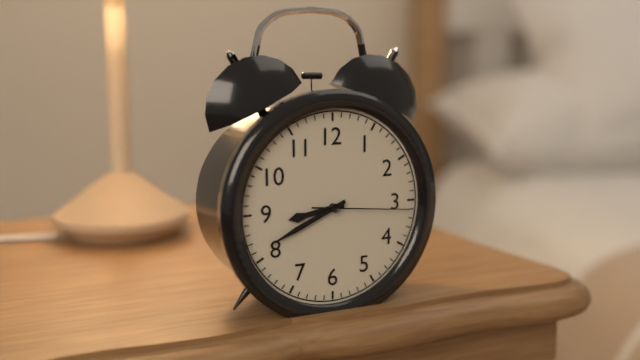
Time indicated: 8:41:16
